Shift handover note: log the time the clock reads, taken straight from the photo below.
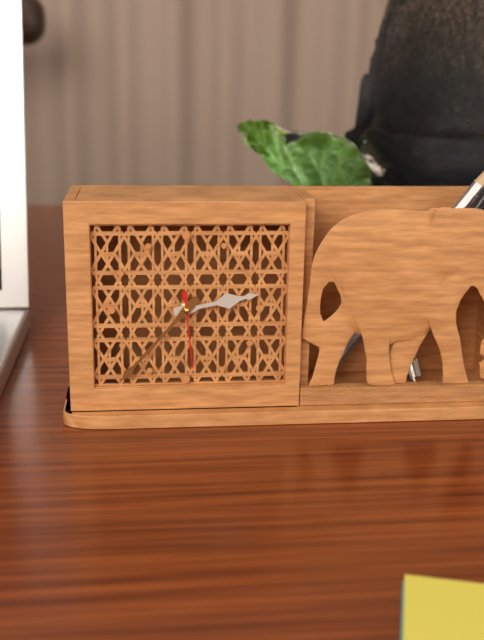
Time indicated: 2:37:29
